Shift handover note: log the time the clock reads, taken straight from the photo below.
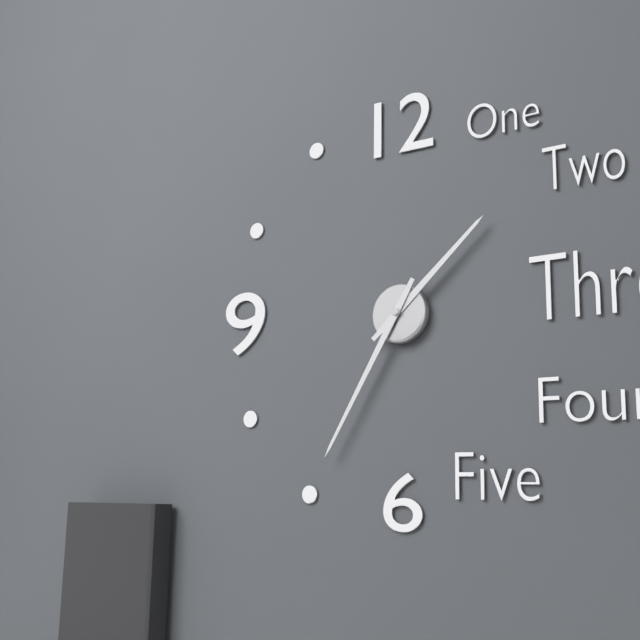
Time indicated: 1:35
